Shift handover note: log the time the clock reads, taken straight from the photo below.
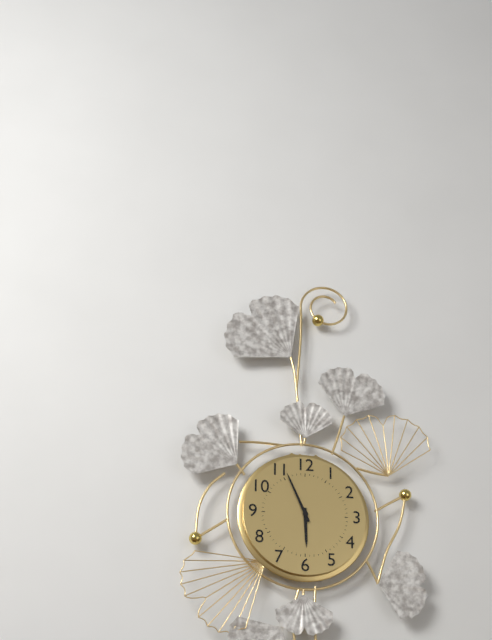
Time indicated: 5:56
